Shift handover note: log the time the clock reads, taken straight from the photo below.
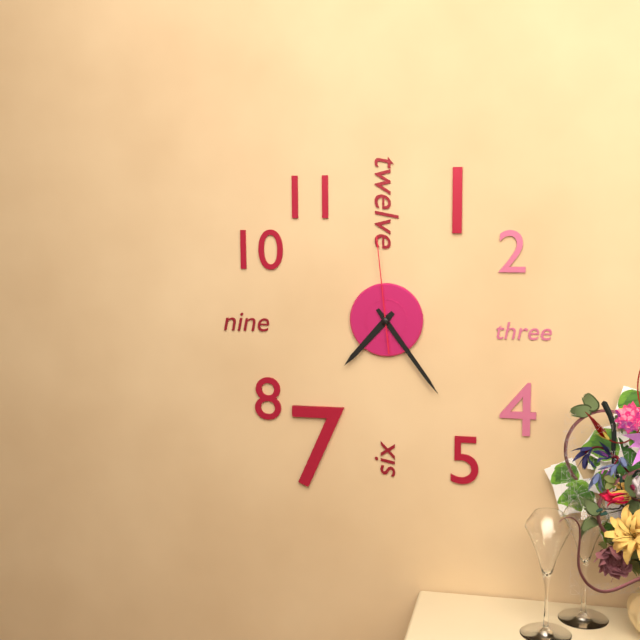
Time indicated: 7:24:59
